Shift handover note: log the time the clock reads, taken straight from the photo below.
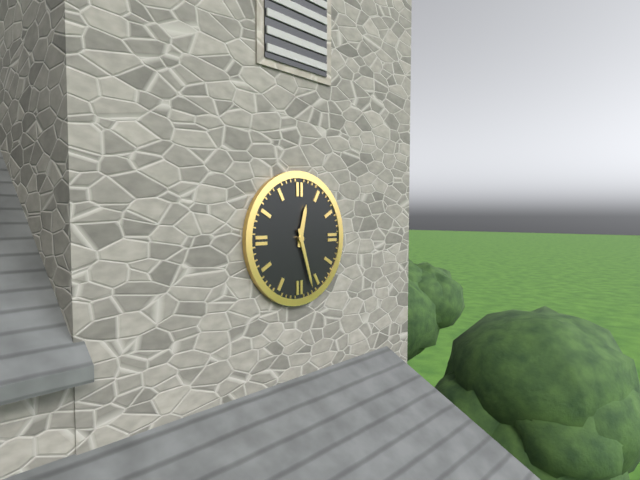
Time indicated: 12:27
